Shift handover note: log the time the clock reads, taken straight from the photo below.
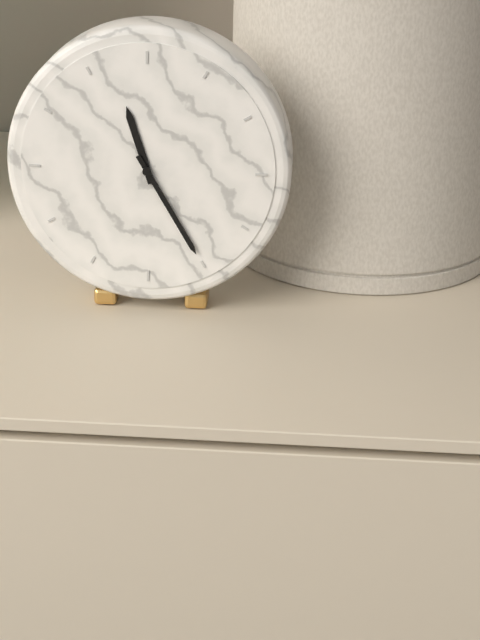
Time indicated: 11:25
